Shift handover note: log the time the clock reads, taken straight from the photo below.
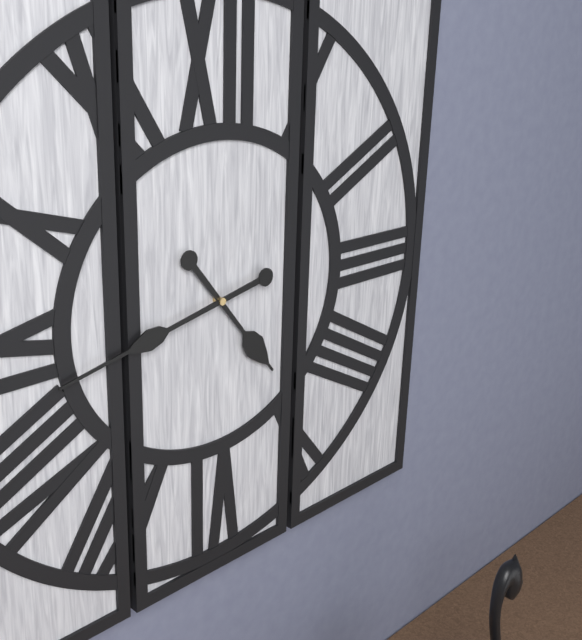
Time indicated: 4:43
